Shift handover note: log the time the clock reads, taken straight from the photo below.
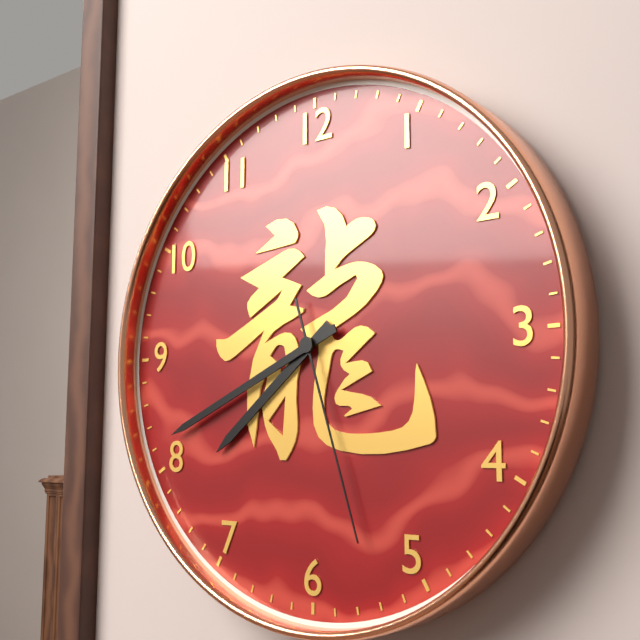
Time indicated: 7:41:27
